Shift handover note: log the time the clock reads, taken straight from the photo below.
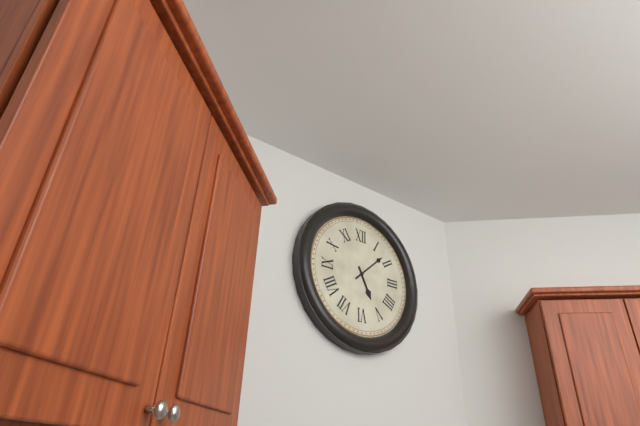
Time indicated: 5:08
